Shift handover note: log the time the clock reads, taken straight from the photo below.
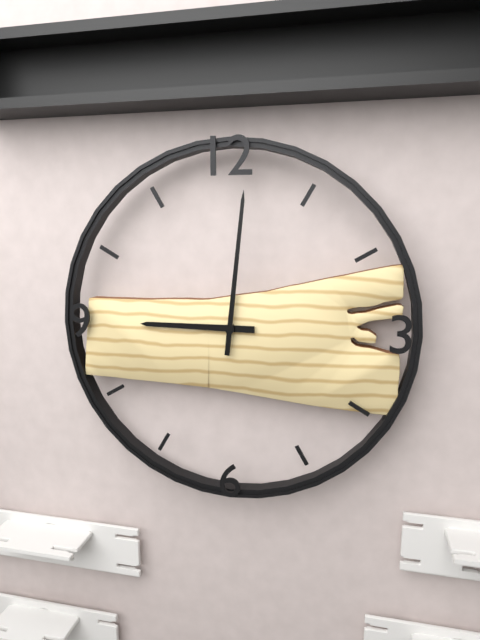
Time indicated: 9:01
